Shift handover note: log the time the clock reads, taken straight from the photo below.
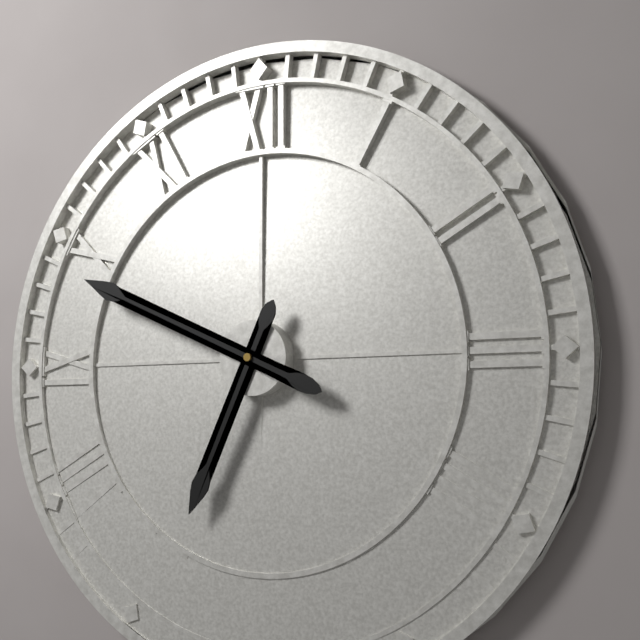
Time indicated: 6:49
